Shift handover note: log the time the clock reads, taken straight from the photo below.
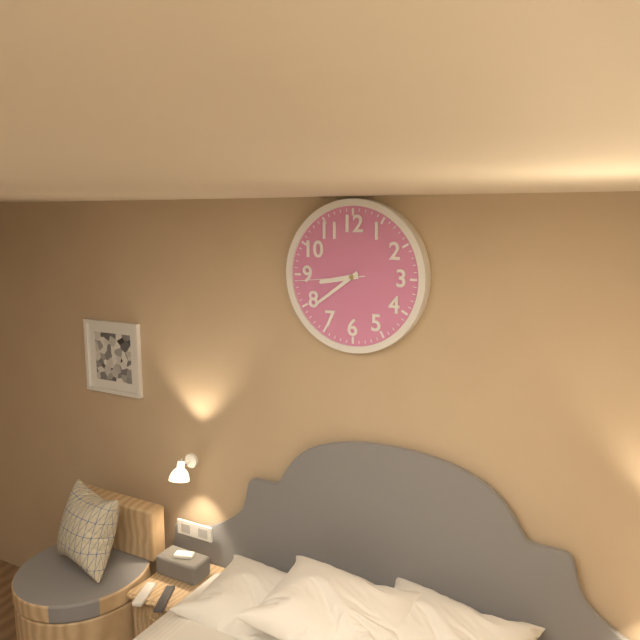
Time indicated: 8:39:44
